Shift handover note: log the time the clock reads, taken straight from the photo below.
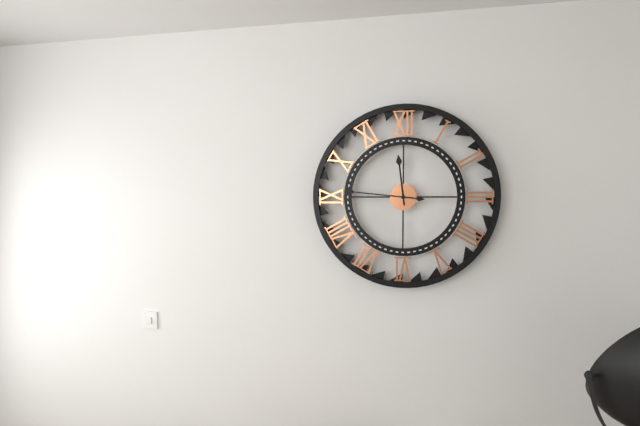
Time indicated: 11:46
